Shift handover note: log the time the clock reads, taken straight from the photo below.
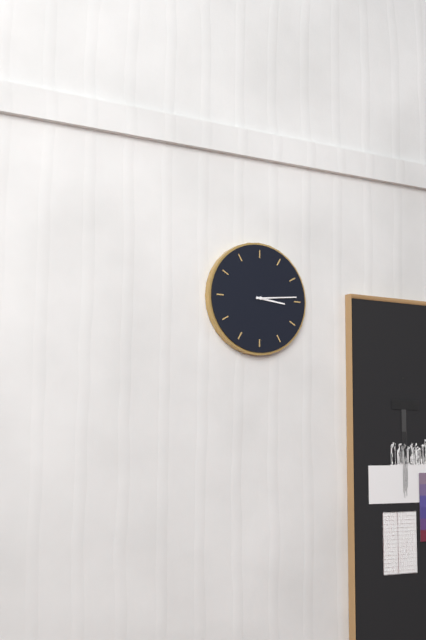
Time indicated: 3:14
